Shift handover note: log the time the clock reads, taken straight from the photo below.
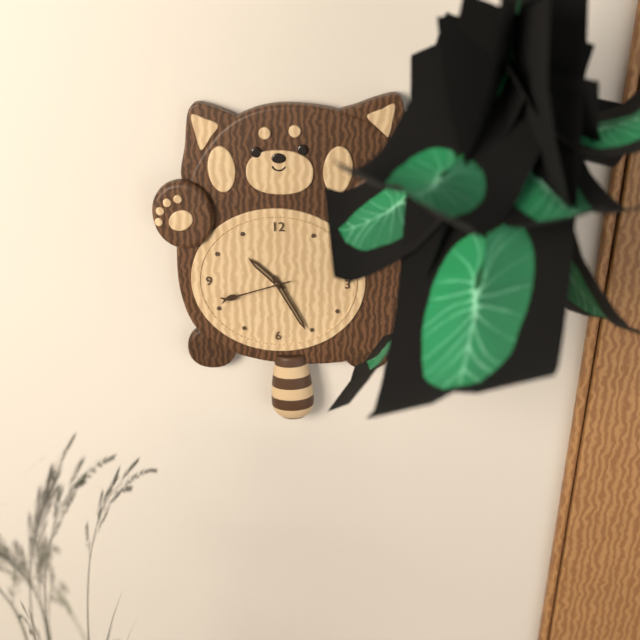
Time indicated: 10:25:42
